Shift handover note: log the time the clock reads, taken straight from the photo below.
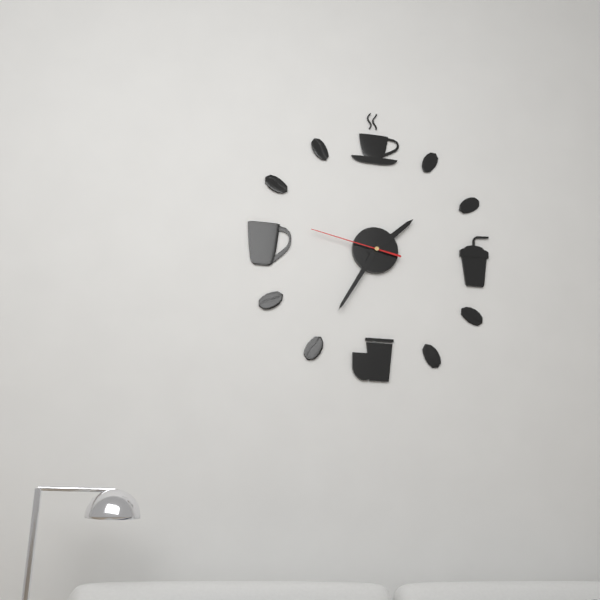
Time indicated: 1:35:47
